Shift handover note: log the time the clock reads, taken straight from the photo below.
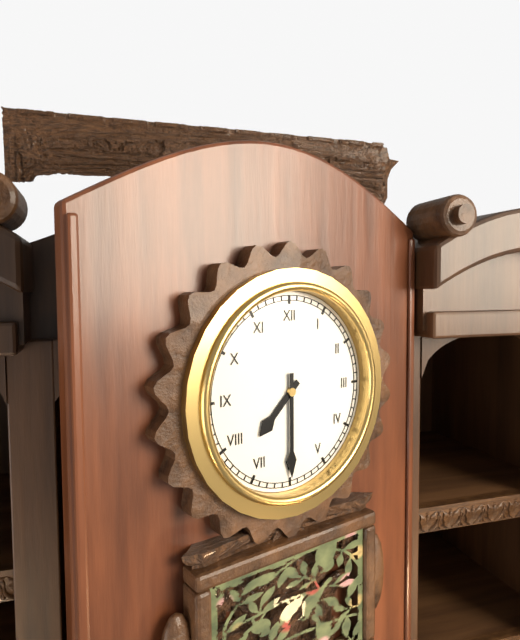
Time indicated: 7:30
